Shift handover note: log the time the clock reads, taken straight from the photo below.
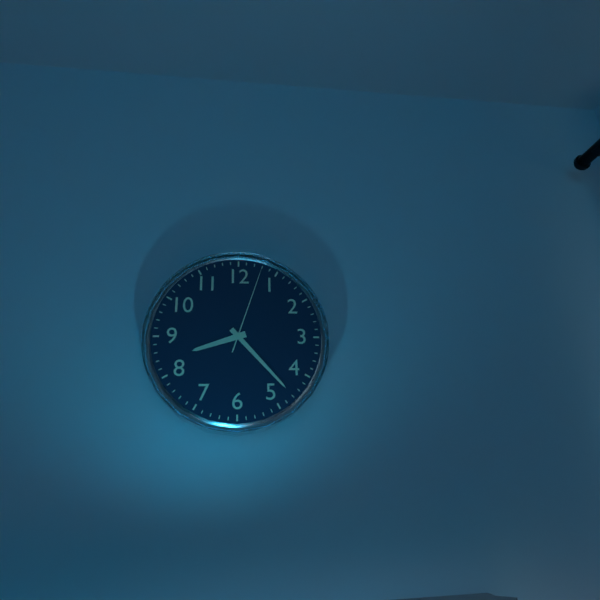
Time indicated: 8:23:03
